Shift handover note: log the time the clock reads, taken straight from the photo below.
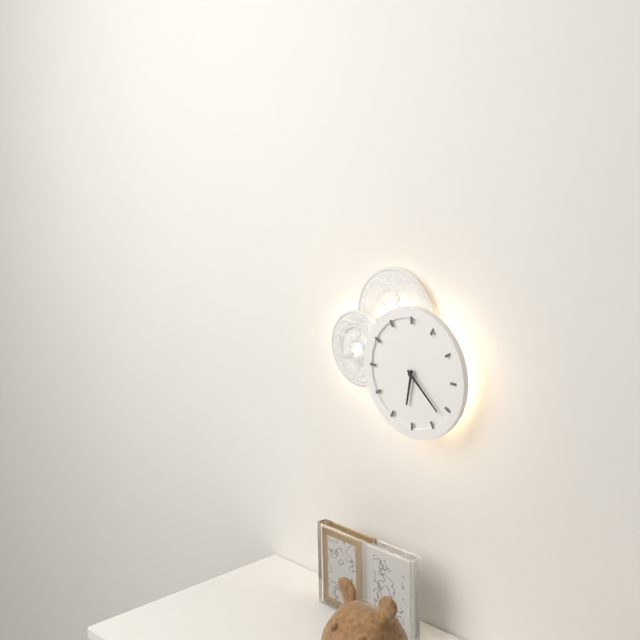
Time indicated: 6:22
